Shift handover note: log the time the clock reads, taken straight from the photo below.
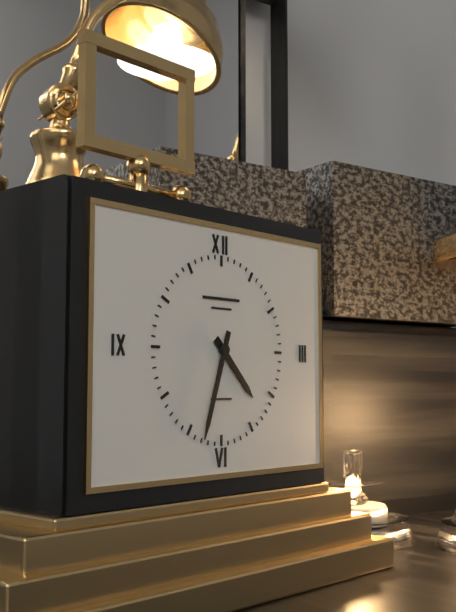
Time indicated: 4:33
